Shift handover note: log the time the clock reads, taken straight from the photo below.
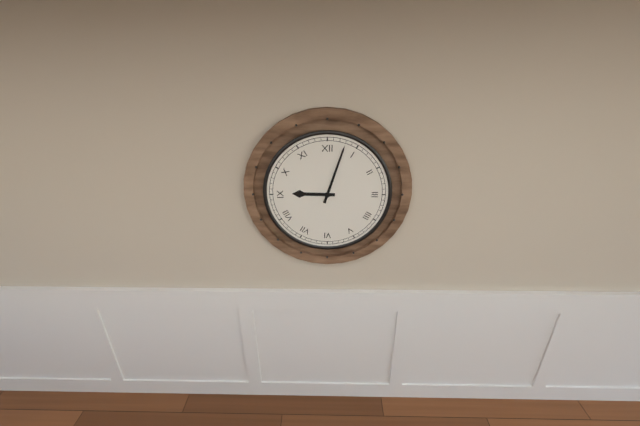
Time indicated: 9:03
